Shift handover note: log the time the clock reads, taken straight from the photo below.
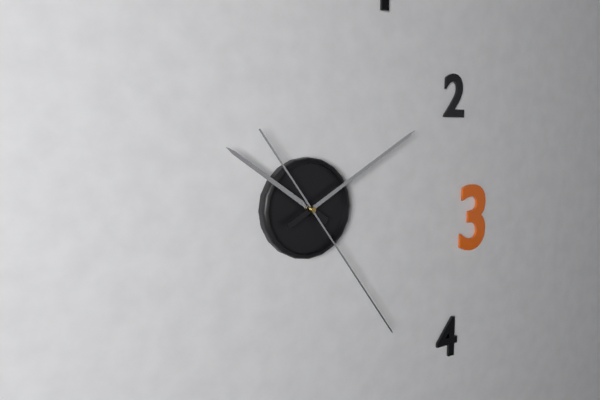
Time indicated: 10:10:24
